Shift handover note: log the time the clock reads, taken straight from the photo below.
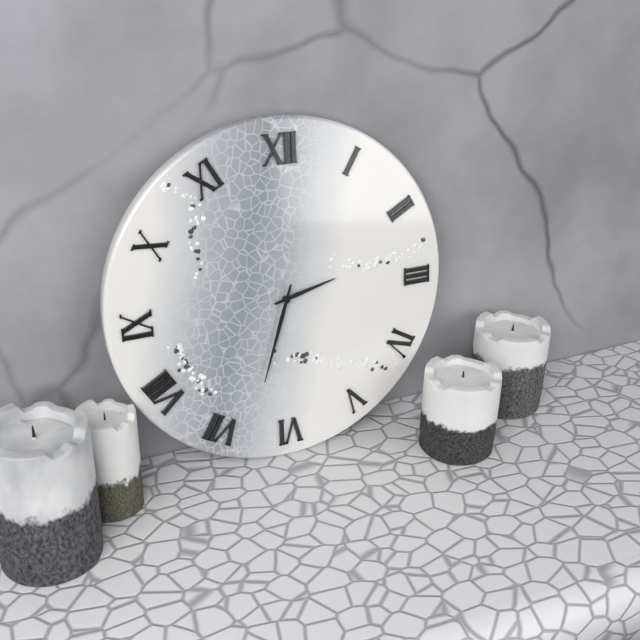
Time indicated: 2:33
